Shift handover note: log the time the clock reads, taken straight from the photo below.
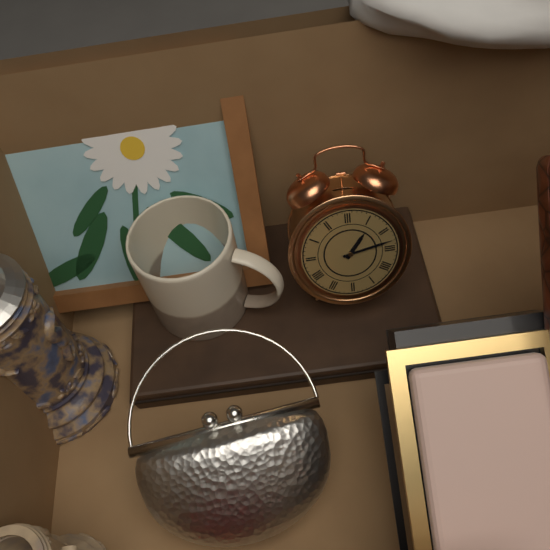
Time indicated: 1:13
